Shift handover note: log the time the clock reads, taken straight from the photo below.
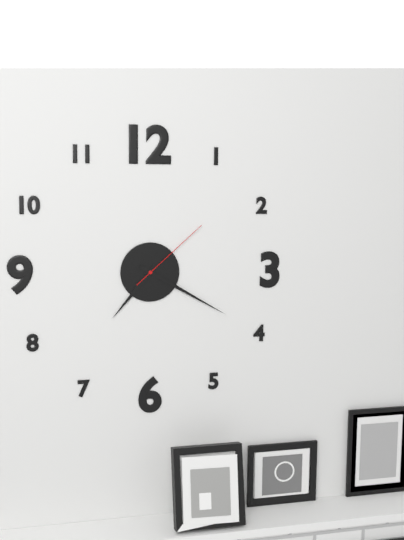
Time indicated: 7:20:08
